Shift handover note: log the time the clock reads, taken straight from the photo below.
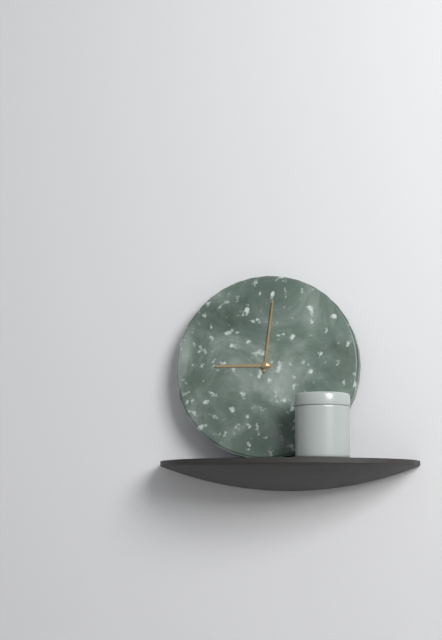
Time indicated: 9:01
